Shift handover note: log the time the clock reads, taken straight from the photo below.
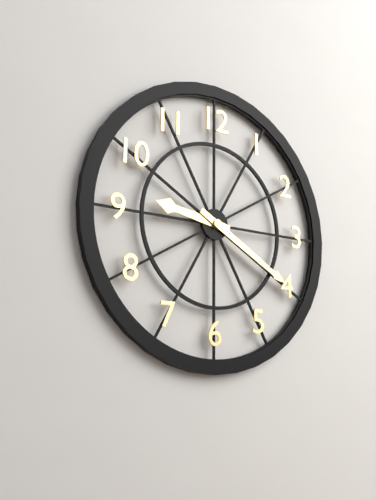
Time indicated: 9:20
